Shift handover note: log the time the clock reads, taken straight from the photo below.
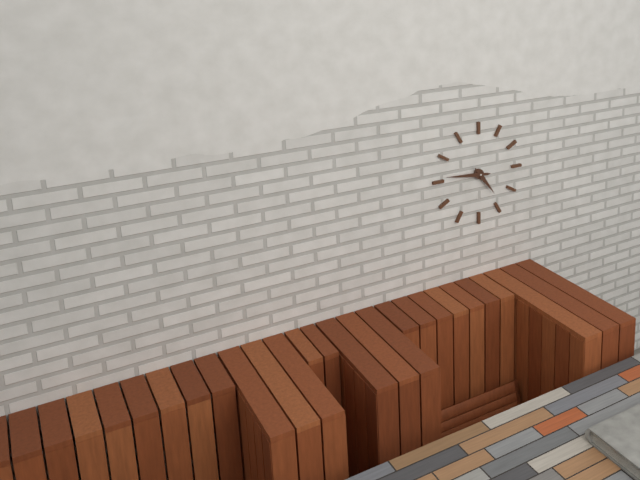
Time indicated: 4:46
